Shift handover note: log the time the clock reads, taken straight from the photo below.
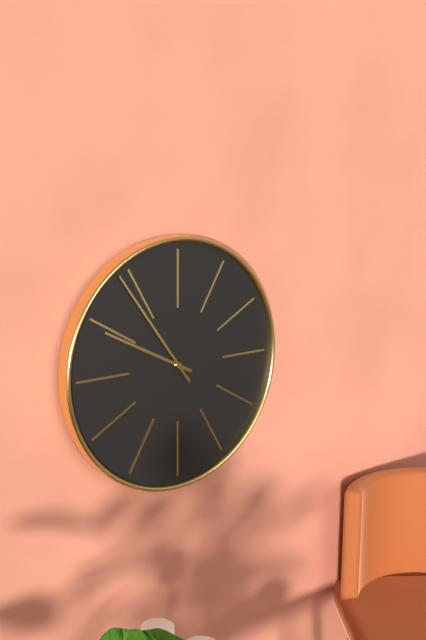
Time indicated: 9:54
